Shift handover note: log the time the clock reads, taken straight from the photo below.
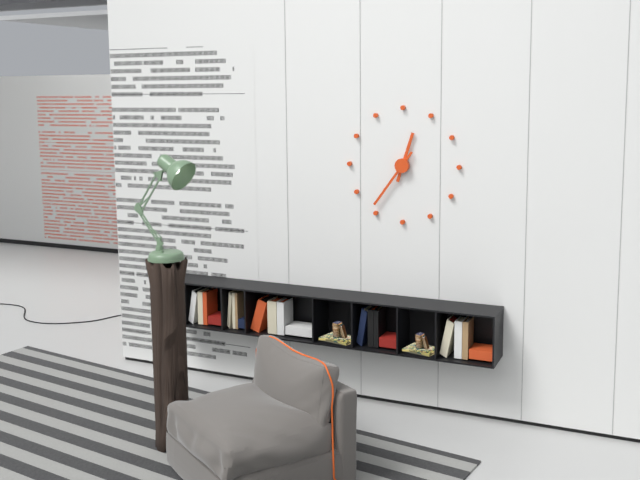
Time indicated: 12:36
